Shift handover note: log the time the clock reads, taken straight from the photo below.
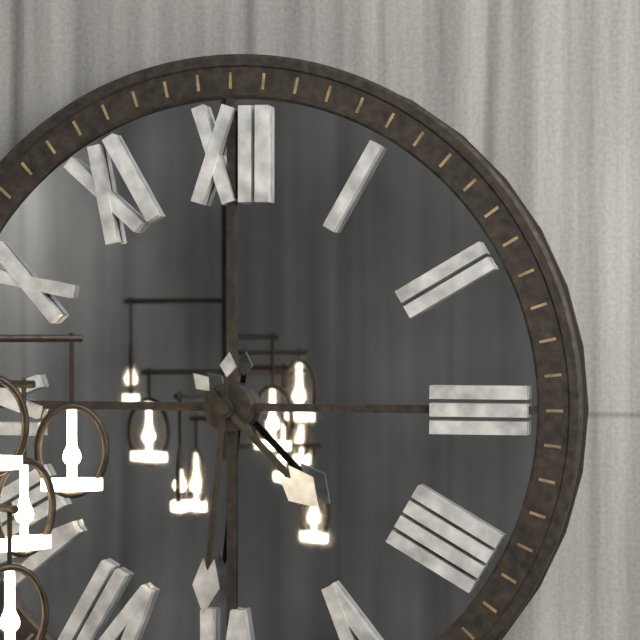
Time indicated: 4:31
